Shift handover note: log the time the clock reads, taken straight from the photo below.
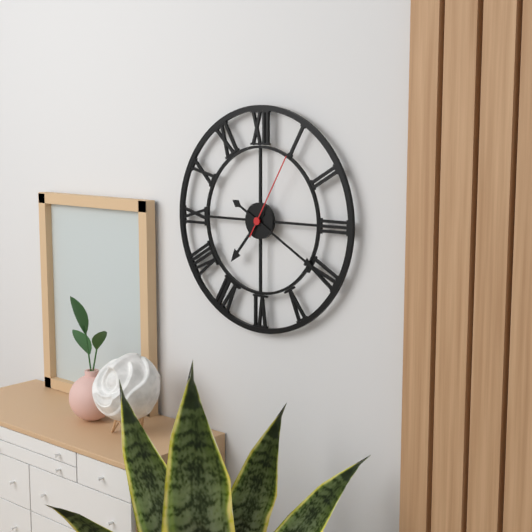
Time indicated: 7:20:05
